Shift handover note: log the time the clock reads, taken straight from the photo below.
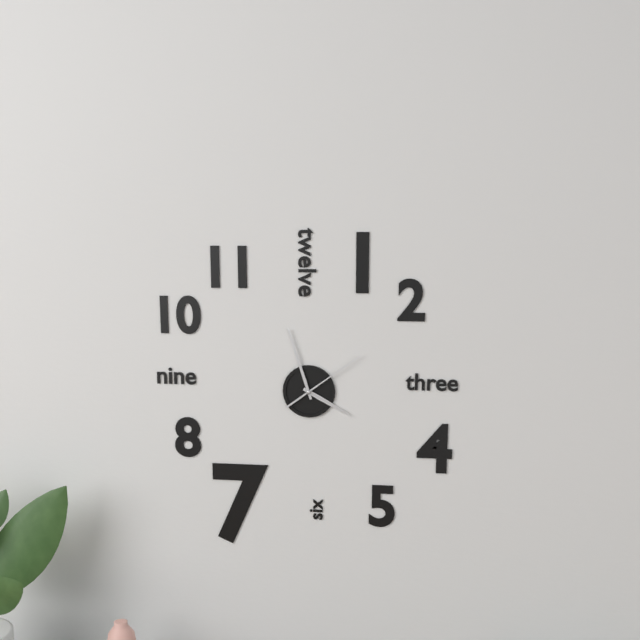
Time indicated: 3:57:09
